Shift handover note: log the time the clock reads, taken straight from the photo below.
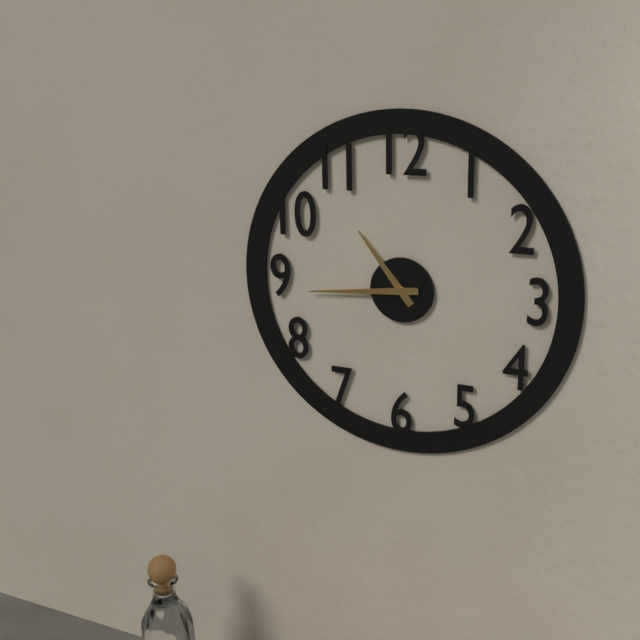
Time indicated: 10:44
